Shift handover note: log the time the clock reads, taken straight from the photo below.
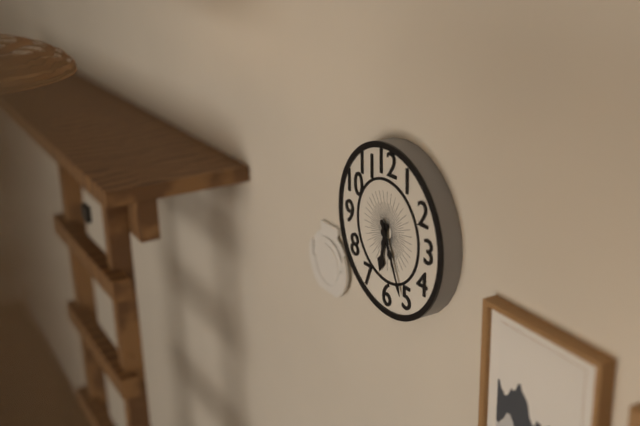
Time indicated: 6:26
